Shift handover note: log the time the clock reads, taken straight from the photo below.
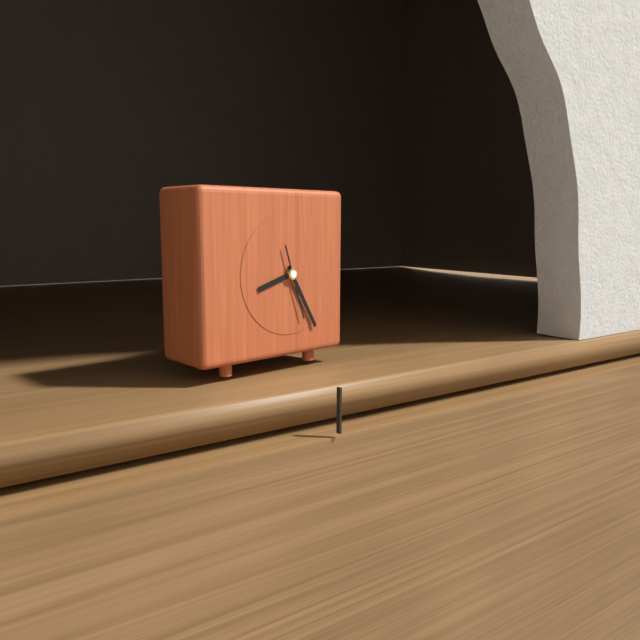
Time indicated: 8:25:27
